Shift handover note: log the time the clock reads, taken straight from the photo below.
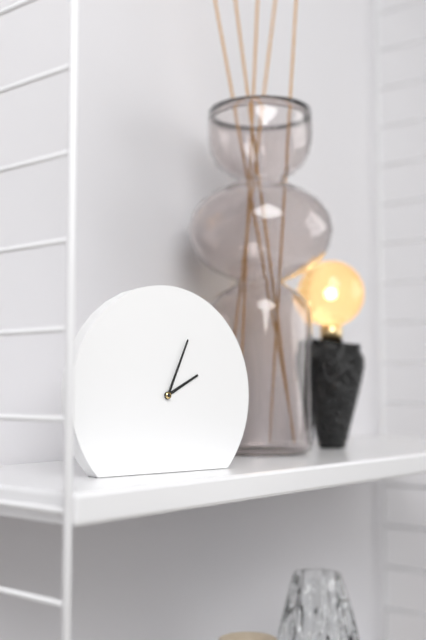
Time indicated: 2:04
